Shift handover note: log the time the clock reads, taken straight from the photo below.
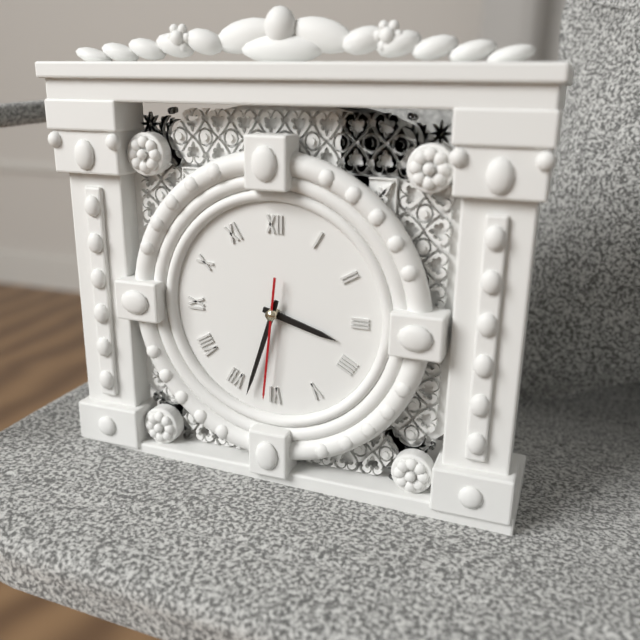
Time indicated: 3:33:31
